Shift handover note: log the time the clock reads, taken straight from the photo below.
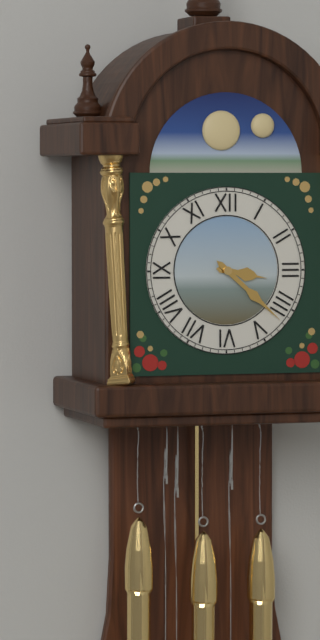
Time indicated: 3:22
